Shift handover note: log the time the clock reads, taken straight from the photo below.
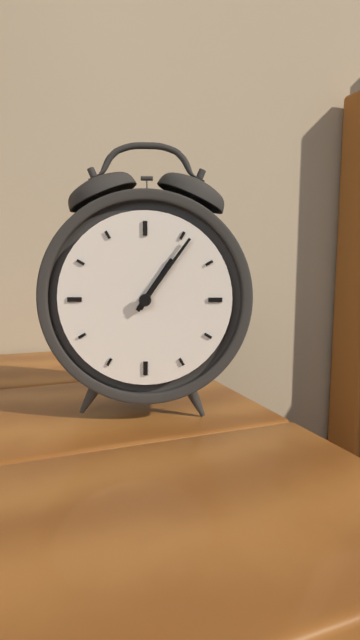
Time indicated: 1:06
